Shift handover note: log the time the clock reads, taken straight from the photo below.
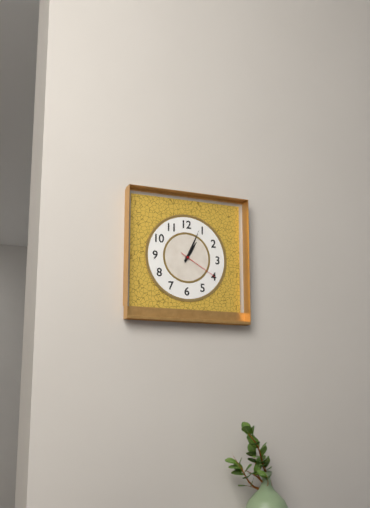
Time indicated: 1:04
